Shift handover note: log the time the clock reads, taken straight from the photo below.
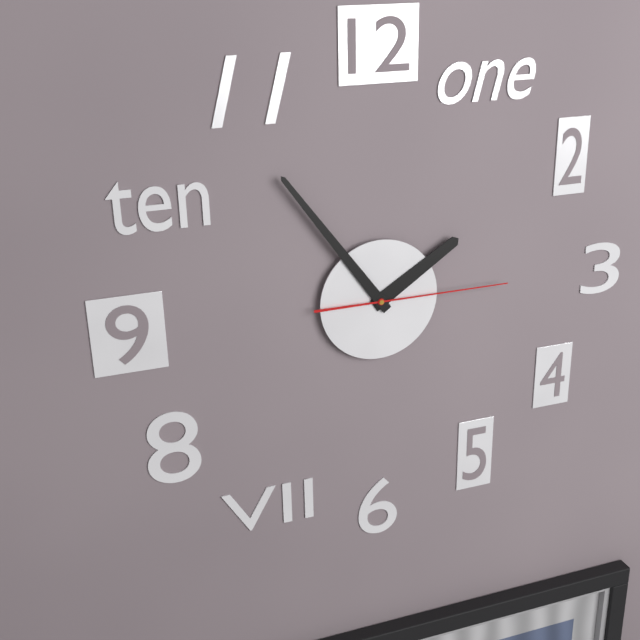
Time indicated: 1:54:15
